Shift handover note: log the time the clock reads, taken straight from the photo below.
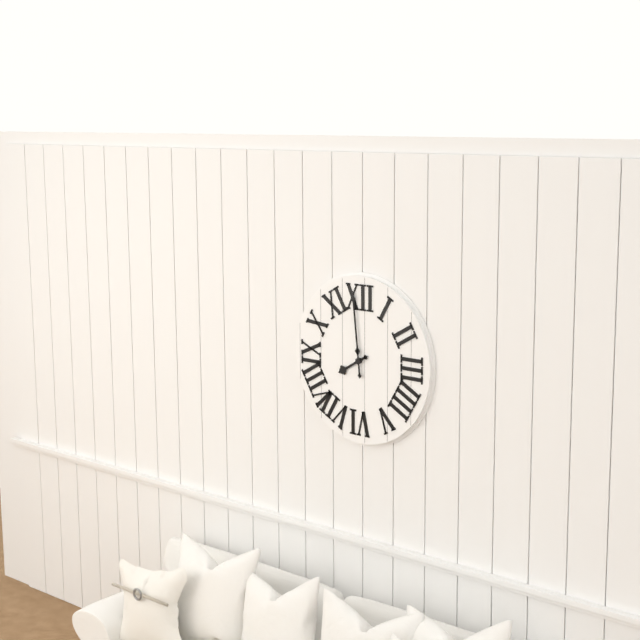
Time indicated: 7:59
